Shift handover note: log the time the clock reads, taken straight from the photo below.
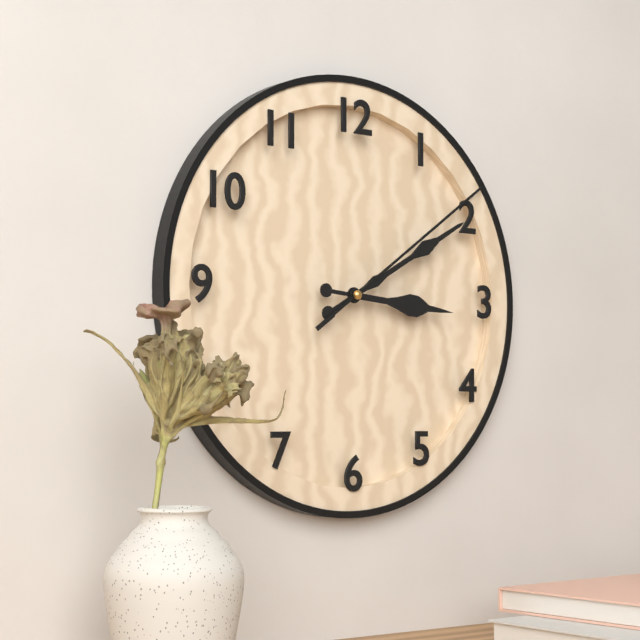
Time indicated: 3:10:09
